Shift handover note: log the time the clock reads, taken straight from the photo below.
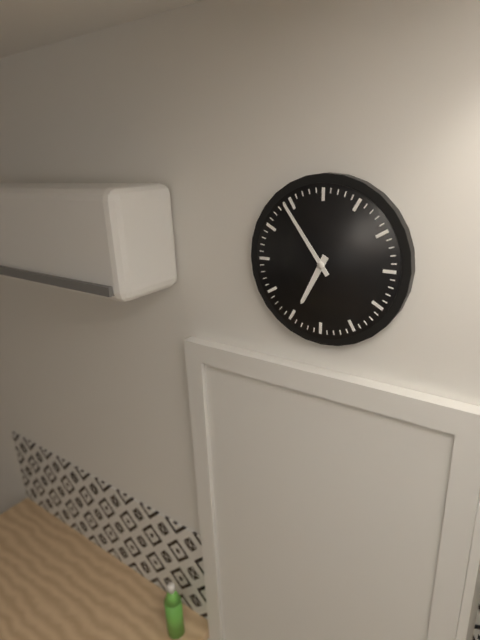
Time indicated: 6:54
